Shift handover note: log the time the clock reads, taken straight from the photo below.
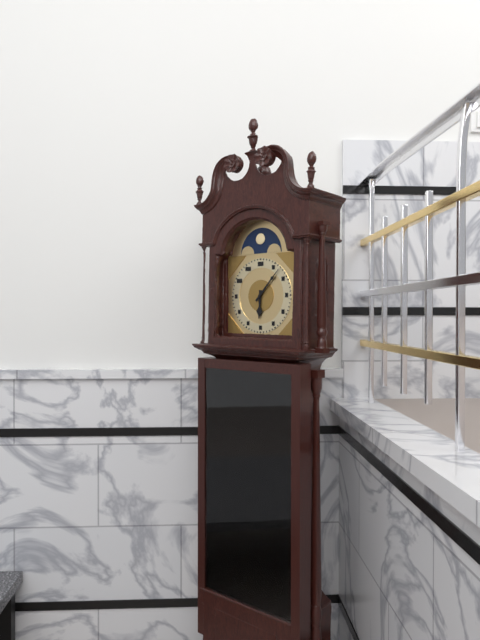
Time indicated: 6:07
